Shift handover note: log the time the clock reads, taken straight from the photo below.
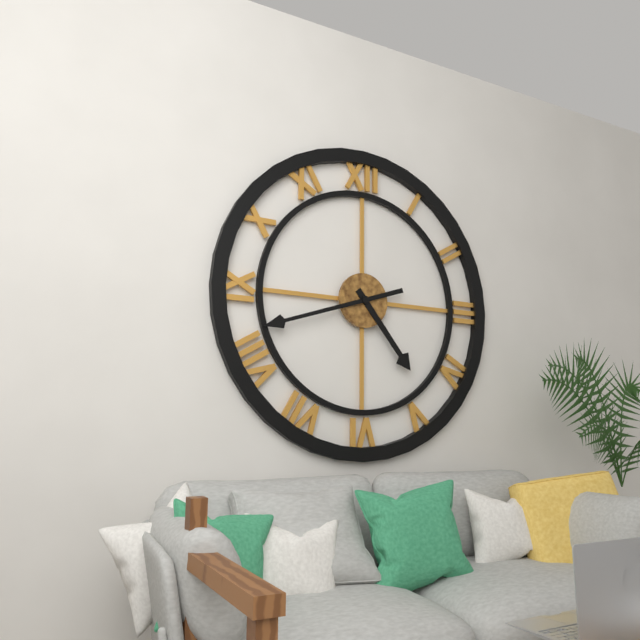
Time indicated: 4:42
